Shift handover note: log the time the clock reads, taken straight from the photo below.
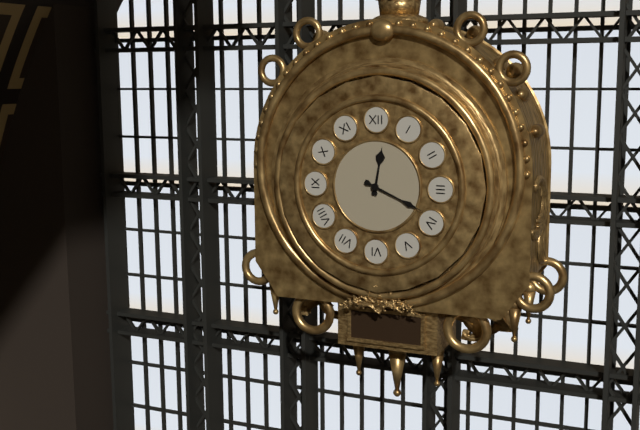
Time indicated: 12:19
